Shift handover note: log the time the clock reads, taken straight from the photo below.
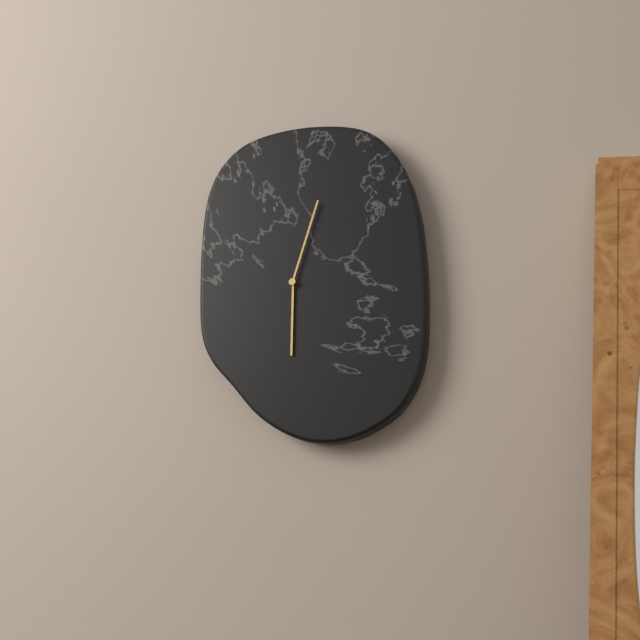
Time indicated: 6:03
